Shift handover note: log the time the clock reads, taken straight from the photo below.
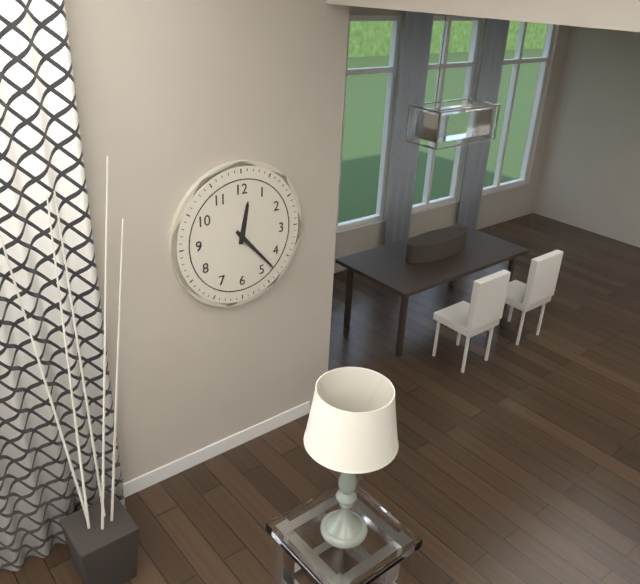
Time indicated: 12:23
